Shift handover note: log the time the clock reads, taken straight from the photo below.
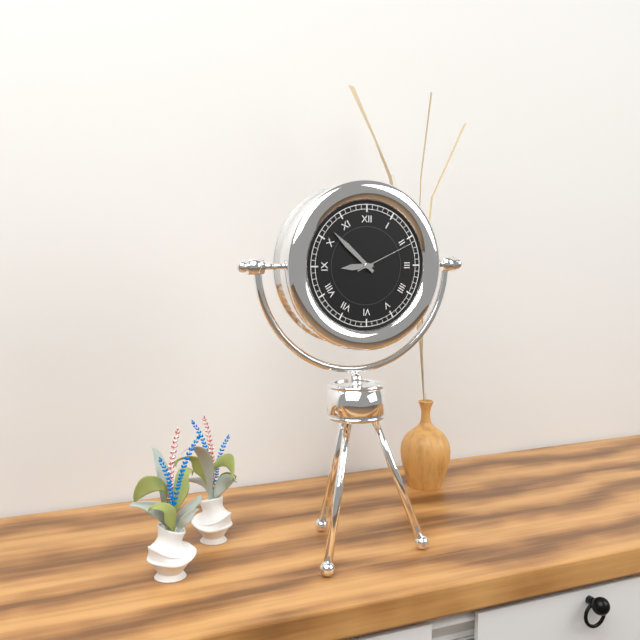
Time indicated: 8:52:11
